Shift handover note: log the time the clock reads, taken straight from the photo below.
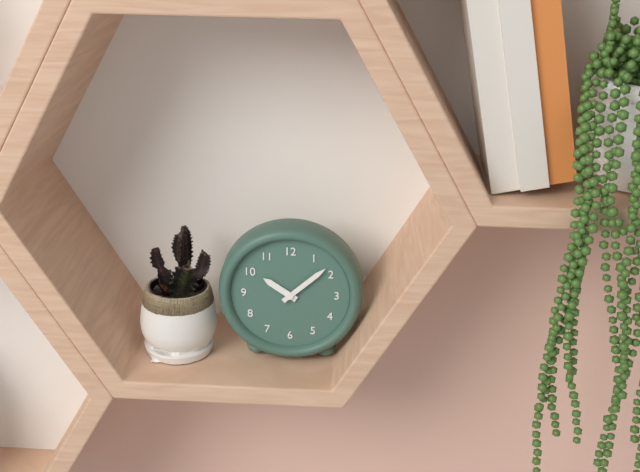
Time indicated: 10:08
